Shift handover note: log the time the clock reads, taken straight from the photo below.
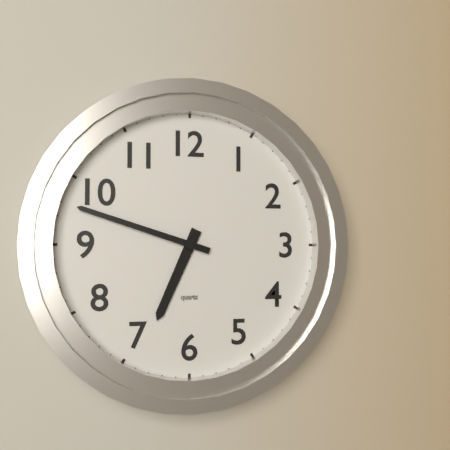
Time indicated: 6:48
